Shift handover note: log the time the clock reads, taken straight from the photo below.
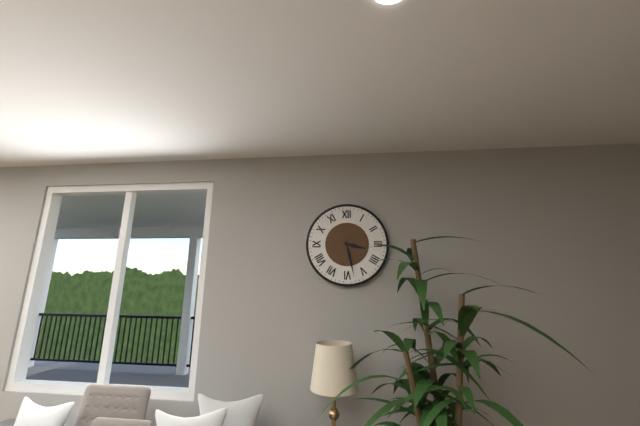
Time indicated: 3:28
